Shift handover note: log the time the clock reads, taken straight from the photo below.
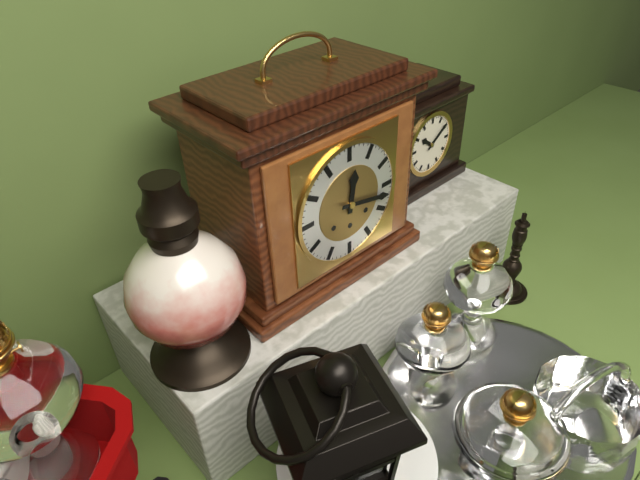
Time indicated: 12:17
